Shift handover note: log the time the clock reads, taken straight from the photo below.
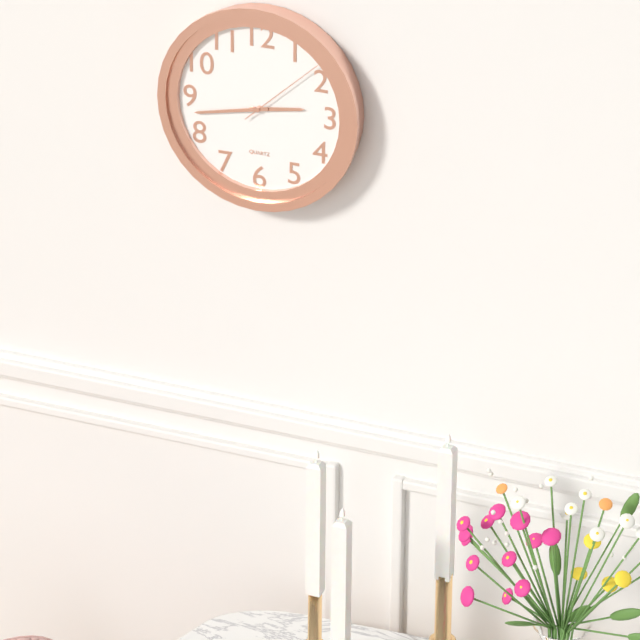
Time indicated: 2:43:08
